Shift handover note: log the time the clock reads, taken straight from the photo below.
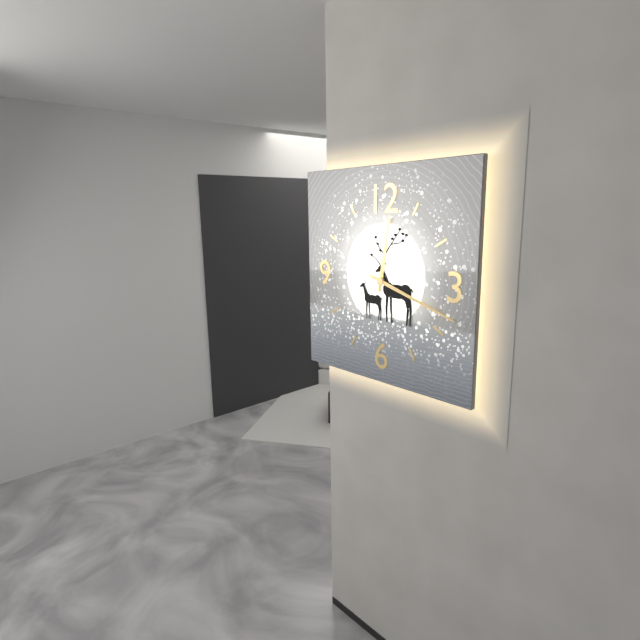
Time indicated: 12:18
